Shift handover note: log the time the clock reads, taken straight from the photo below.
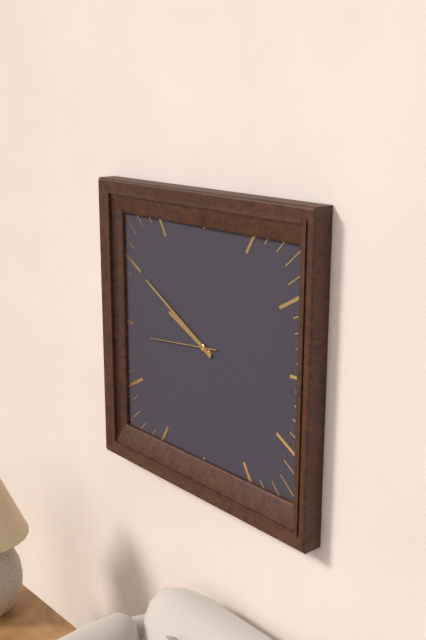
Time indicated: 9:50:44
